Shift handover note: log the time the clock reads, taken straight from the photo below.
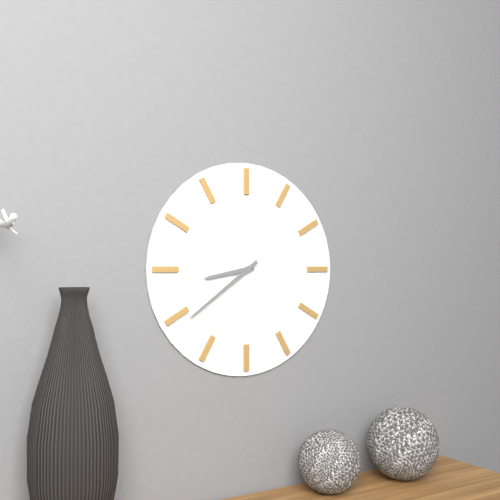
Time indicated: 8:39
